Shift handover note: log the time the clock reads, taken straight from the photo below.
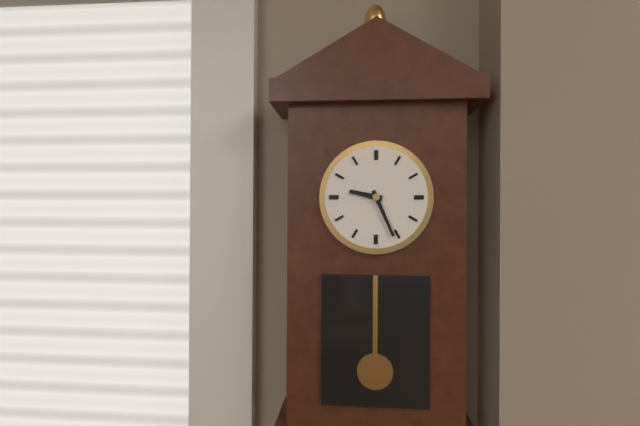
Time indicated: 9:26
